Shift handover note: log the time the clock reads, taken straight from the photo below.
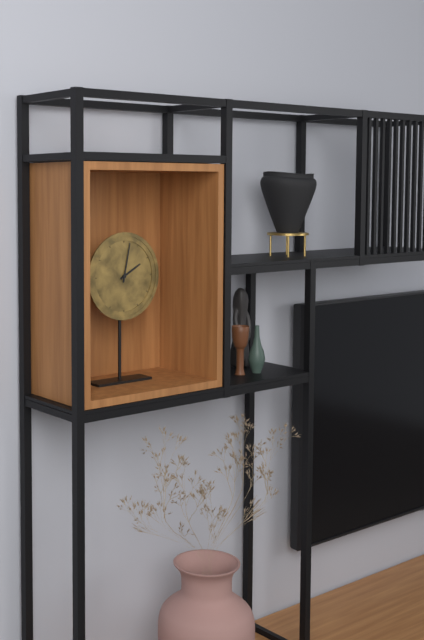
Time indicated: 2:02
